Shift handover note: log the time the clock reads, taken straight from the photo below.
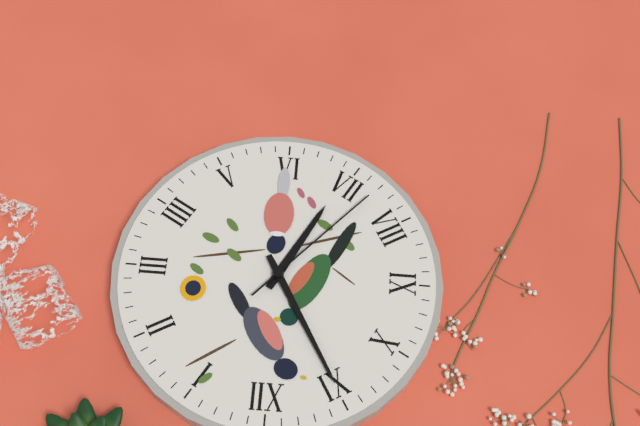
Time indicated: 6:55:37
